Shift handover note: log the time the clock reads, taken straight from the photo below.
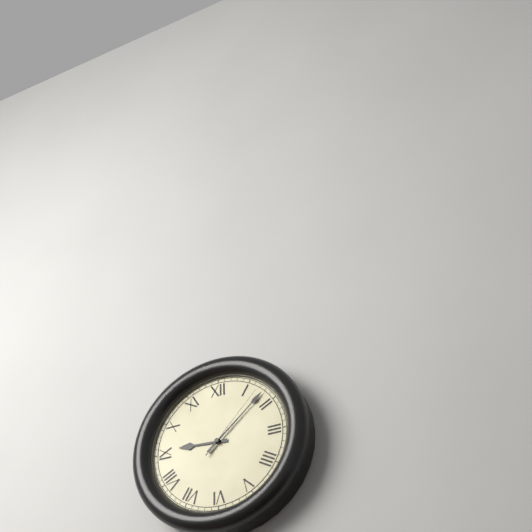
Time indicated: 9:08:07
